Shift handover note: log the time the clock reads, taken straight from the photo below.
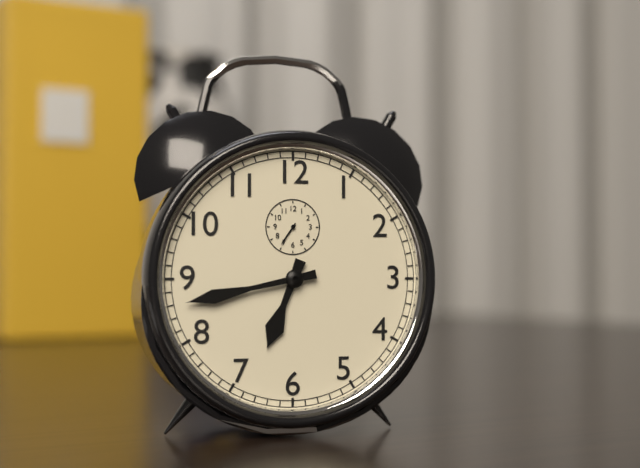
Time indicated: 6:43
